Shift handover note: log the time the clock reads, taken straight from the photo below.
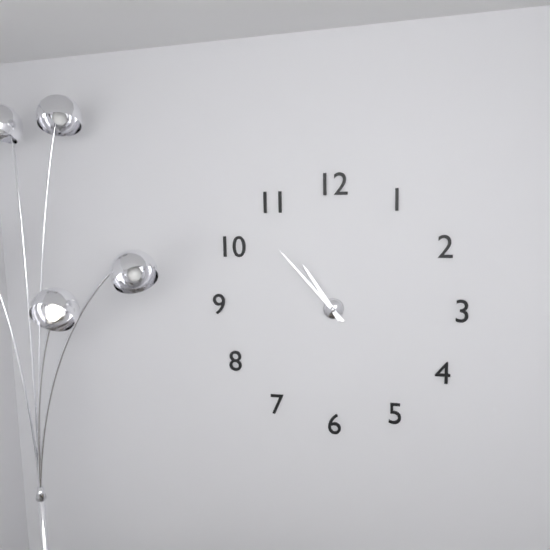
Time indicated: 10:53
